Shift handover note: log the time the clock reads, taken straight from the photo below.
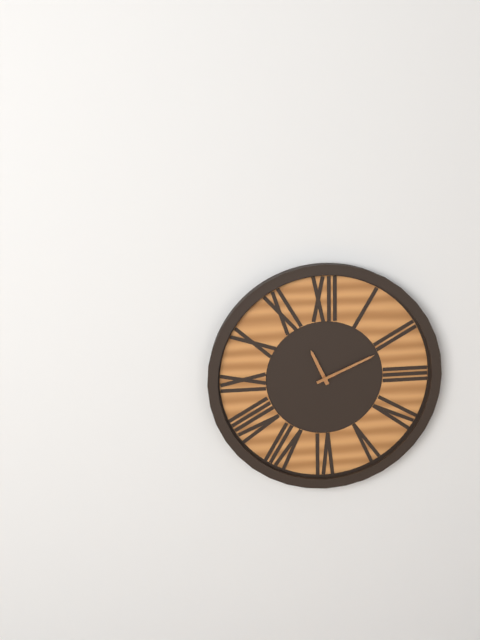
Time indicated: 11:11
